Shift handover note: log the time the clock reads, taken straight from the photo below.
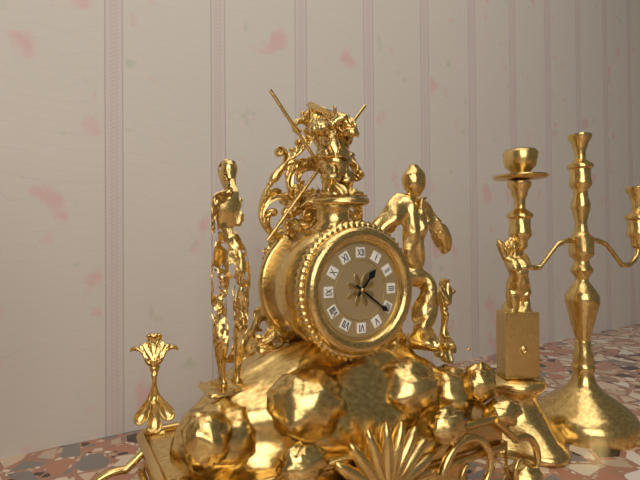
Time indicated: 1:21
